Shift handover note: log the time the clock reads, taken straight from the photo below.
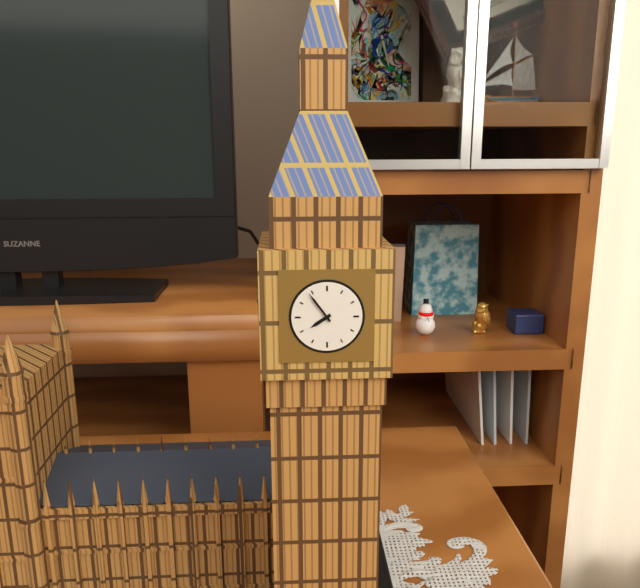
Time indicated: 7:54
